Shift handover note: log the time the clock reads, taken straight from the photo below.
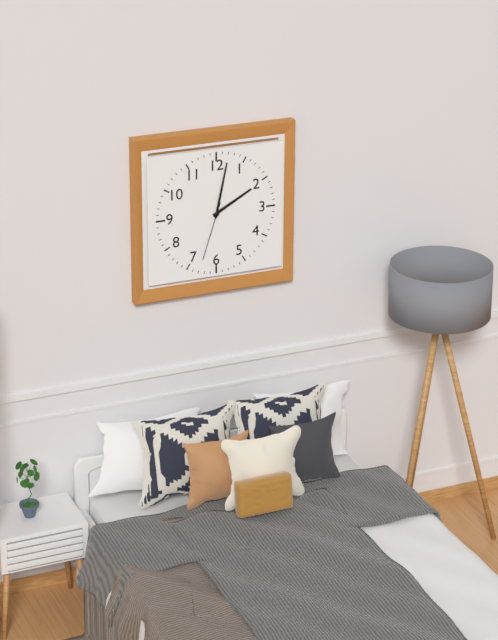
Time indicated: 2:02:33
